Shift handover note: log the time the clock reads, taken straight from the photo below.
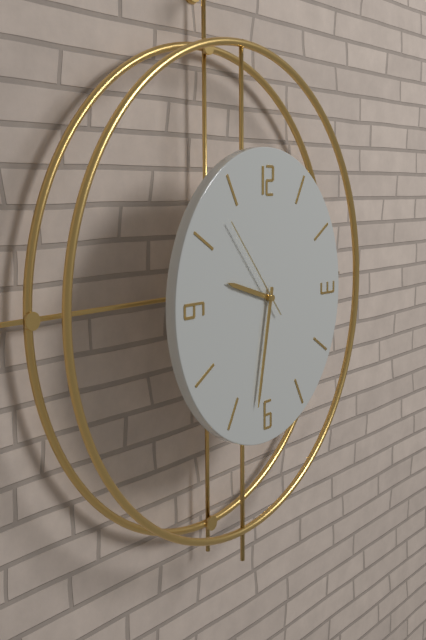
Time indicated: 9:32:53
